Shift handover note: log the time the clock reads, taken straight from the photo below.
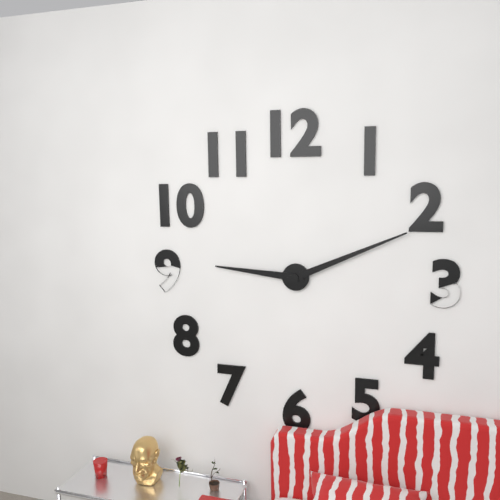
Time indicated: 9:11
